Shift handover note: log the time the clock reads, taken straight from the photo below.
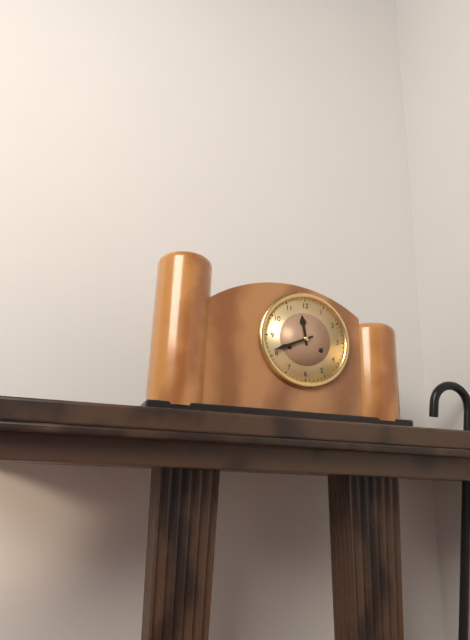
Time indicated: 11:41
